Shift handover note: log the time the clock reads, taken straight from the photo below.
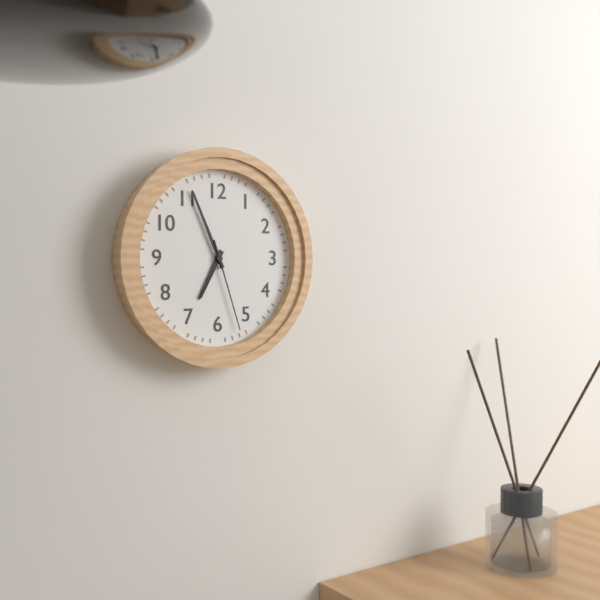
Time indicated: 6:56:27
